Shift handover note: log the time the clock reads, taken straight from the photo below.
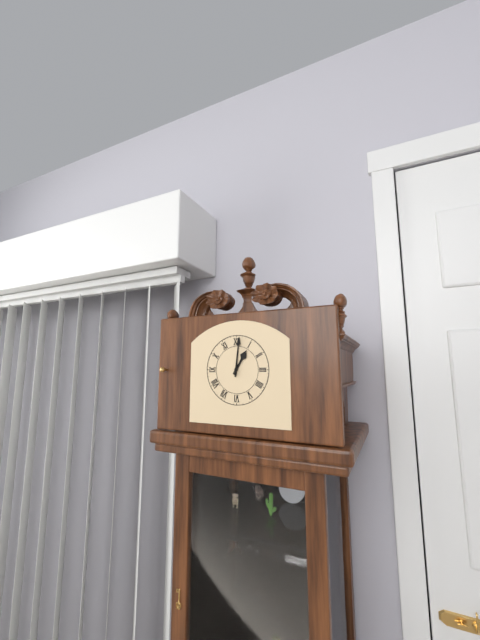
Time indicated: 1:01
